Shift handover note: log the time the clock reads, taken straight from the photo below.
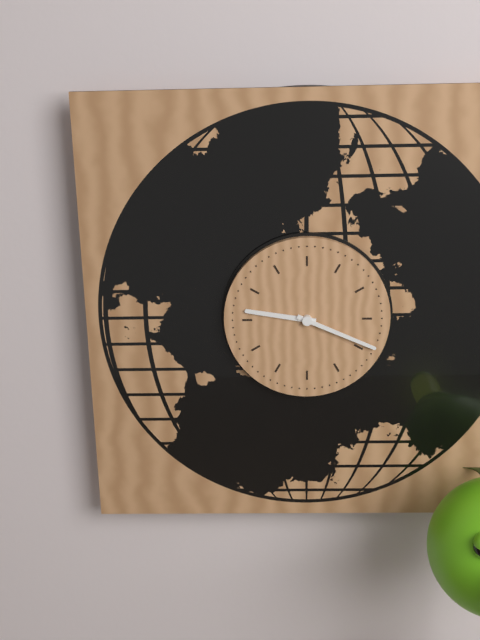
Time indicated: 9:19
